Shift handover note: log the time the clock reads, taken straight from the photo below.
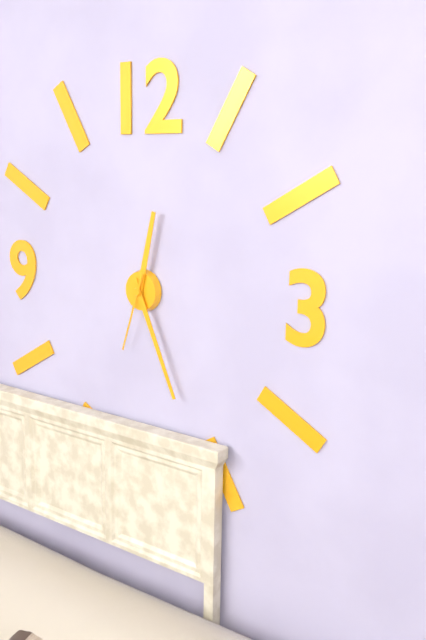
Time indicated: 12:26:33
